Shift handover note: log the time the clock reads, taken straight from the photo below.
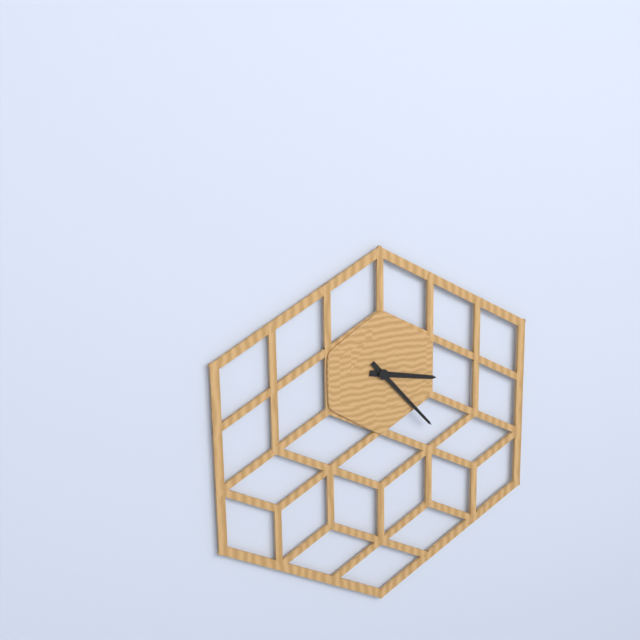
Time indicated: 3:23
